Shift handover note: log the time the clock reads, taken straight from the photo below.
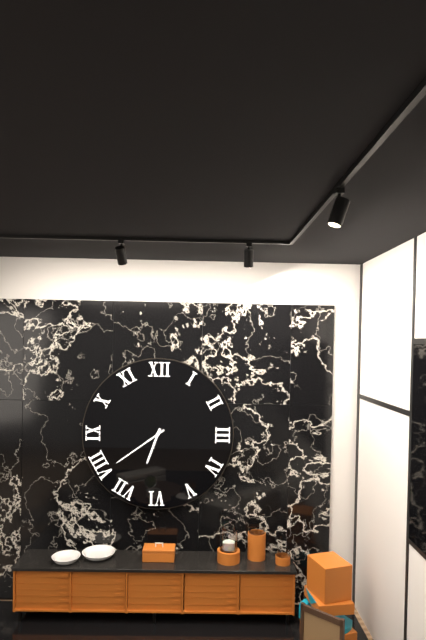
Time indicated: 6:39
